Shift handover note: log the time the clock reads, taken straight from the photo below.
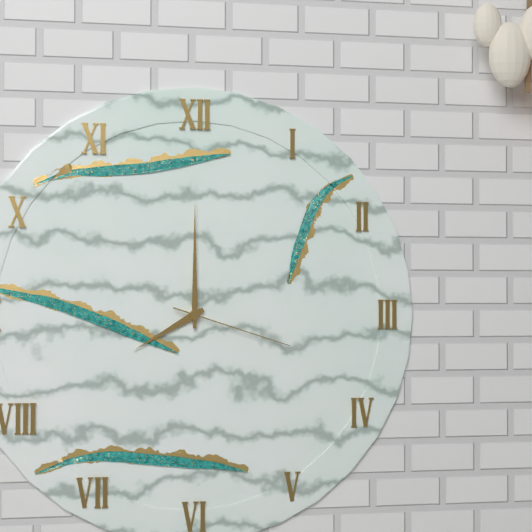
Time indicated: 8:00:18
